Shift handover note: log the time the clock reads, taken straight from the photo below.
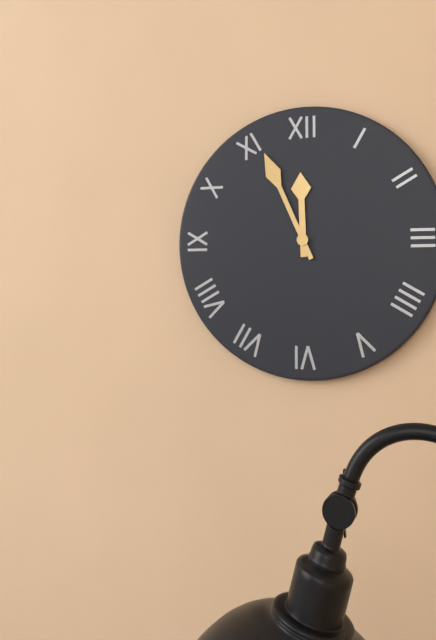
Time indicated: 11:56
